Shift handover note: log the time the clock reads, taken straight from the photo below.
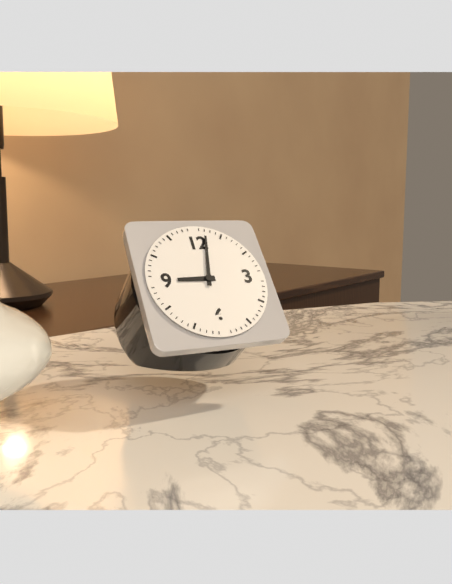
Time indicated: 9:02
